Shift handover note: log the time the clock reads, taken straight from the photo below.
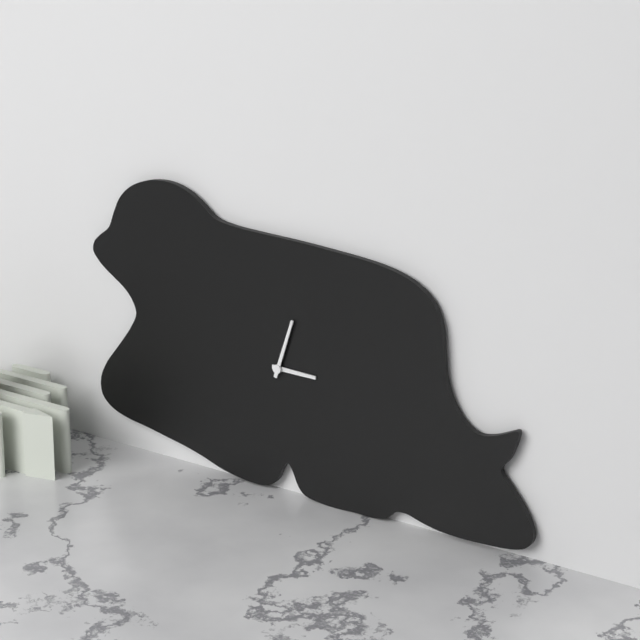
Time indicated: 3:03
